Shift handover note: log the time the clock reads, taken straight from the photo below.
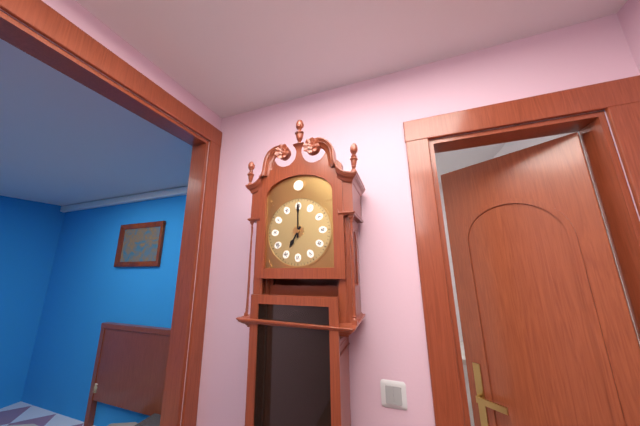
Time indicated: 7:00
